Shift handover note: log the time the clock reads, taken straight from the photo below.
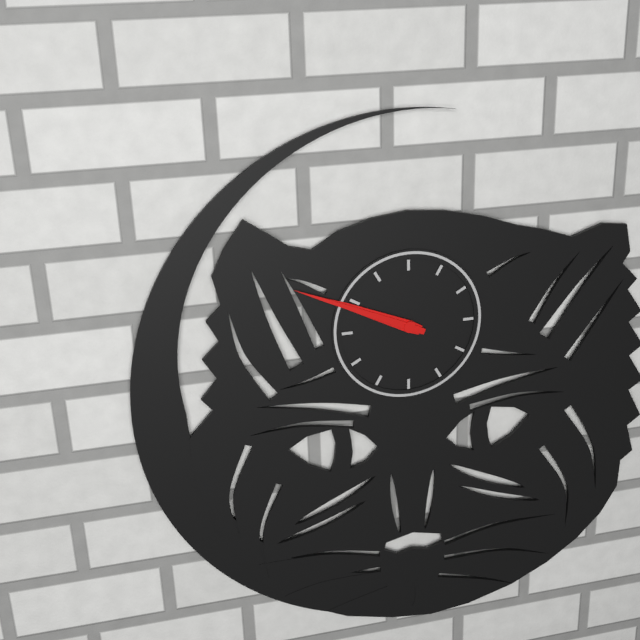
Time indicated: 9:49
